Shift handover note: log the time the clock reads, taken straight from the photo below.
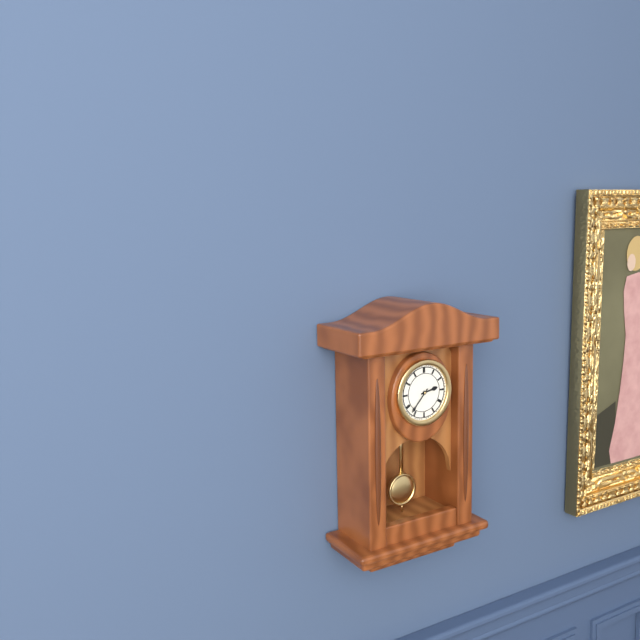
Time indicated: 2:37
